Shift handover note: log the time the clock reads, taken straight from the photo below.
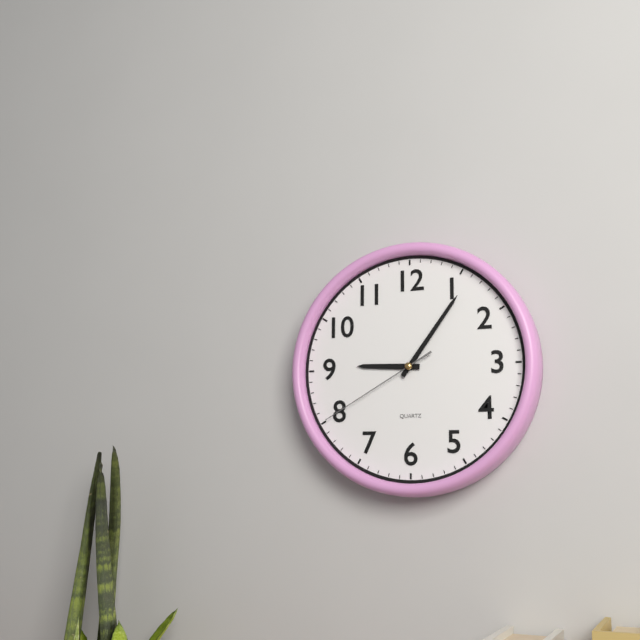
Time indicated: 9:06:40
